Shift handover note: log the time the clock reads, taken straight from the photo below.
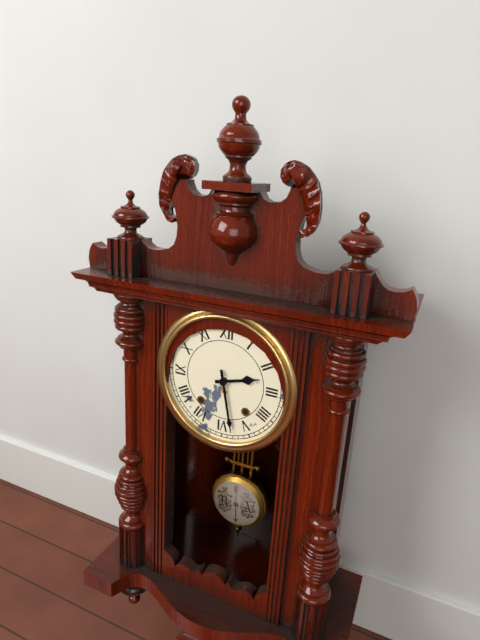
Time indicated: 2:28
